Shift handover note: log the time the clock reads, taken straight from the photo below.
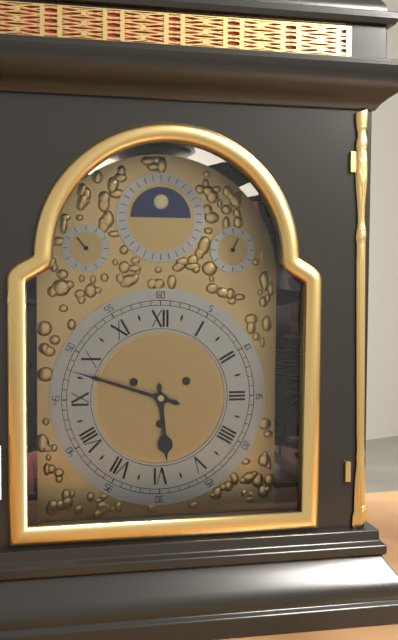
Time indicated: 5:48
